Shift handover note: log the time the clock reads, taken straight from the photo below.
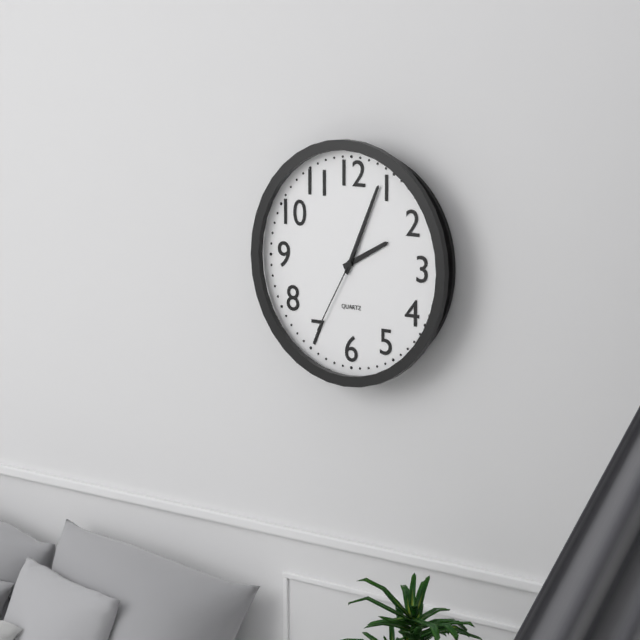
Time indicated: 2:04:35
